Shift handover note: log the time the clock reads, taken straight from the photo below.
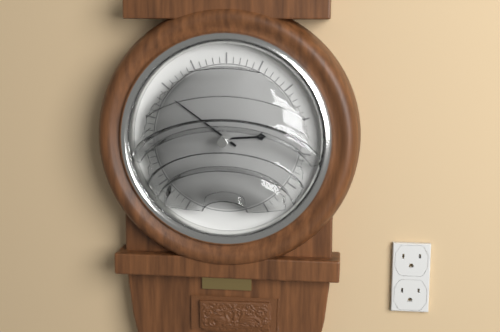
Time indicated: 2:51
